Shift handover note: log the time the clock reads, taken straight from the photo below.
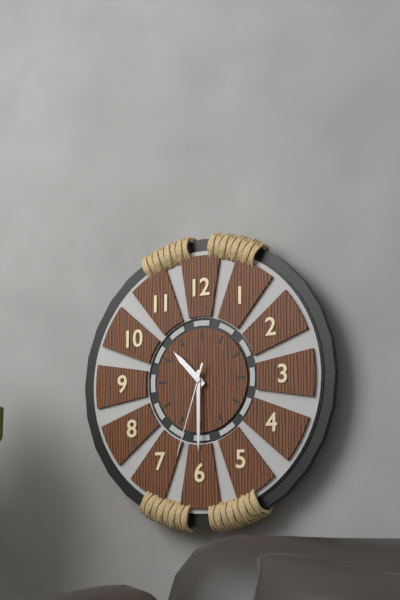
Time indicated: 10:30:33
